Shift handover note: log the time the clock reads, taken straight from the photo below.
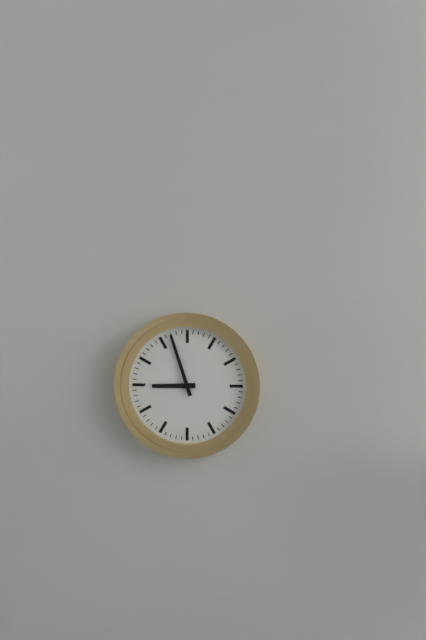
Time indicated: 8:57
